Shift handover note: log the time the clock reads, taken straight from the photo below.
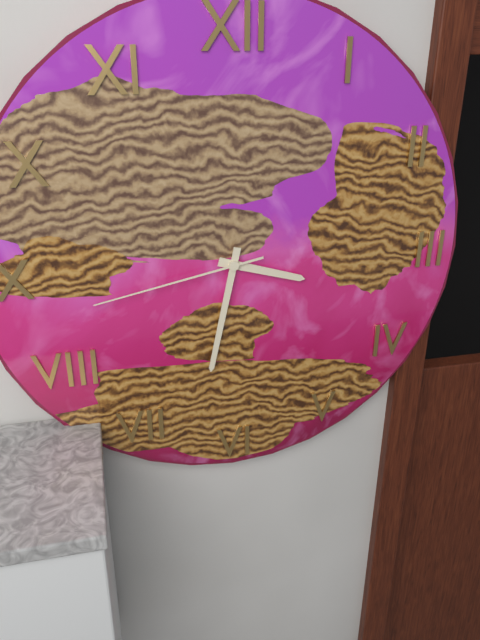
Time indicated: 3:32:43
